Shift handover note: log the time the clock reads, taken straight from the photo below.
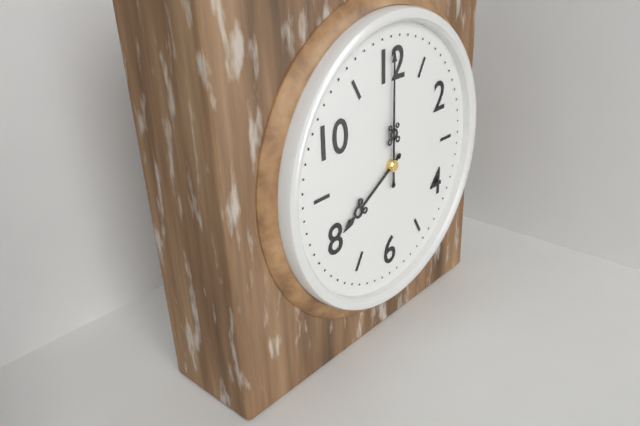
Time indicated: 8:00
